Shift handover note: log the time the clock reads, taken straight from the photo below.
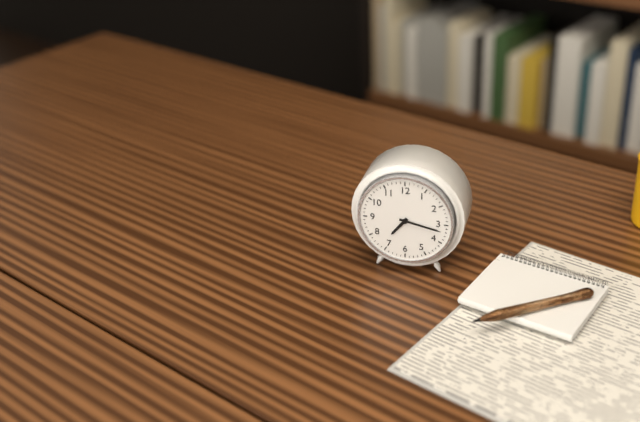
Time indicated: 7:17
